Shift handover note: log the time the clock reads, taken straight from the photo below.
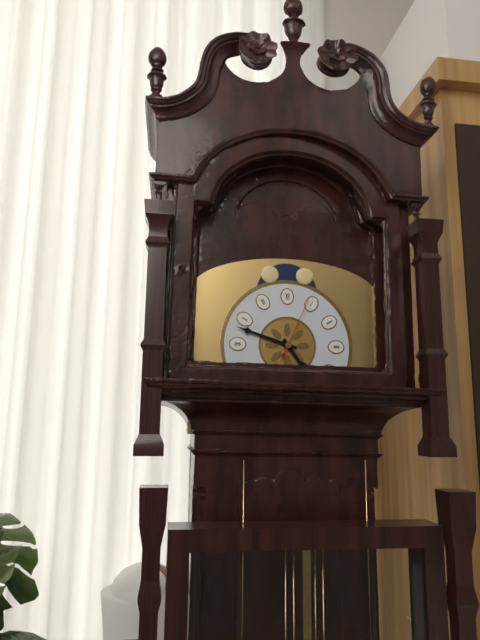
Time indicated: 4:48:04
